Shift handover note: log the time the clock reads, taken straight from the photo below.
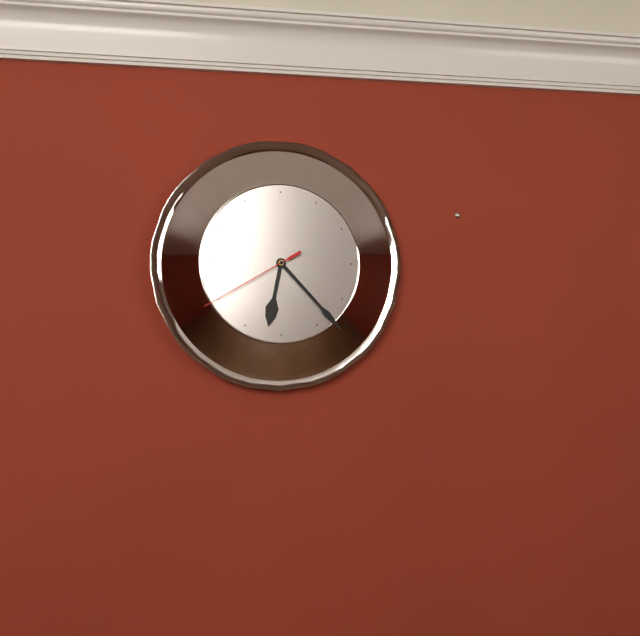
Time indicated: 6:23:40
